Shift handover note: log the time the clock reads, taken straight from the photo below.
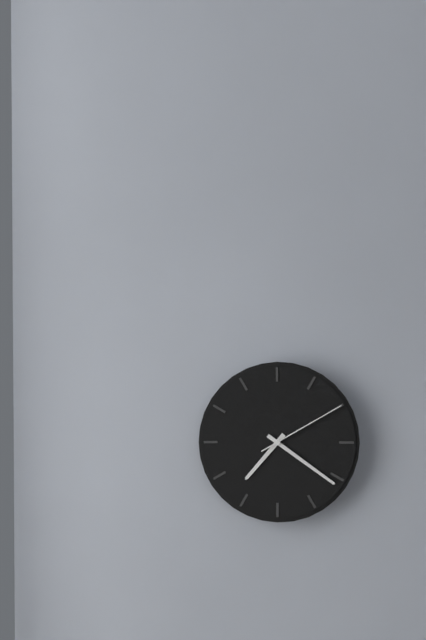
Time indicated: 7:21:10
